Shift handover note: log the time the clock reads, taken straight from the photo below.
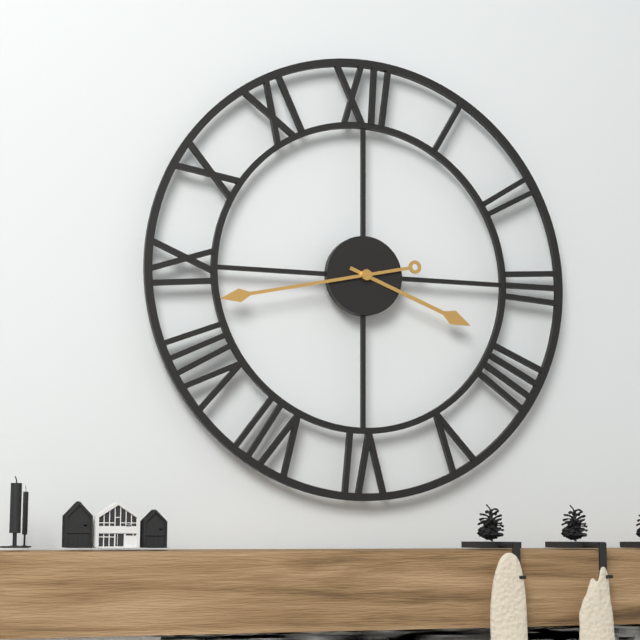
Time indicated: 3:43
